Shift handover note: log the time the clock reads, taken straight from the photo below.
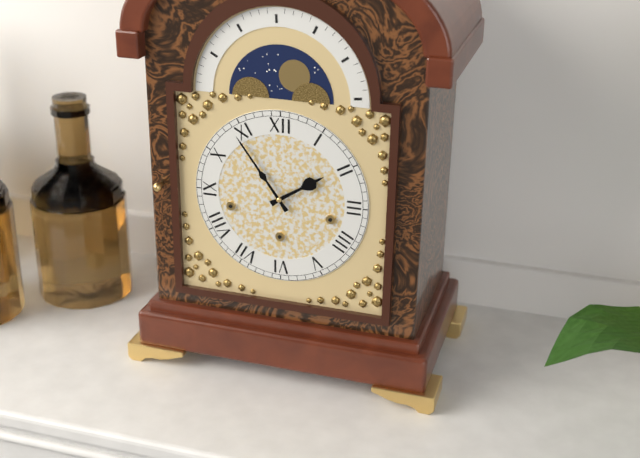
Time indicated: 1:54
